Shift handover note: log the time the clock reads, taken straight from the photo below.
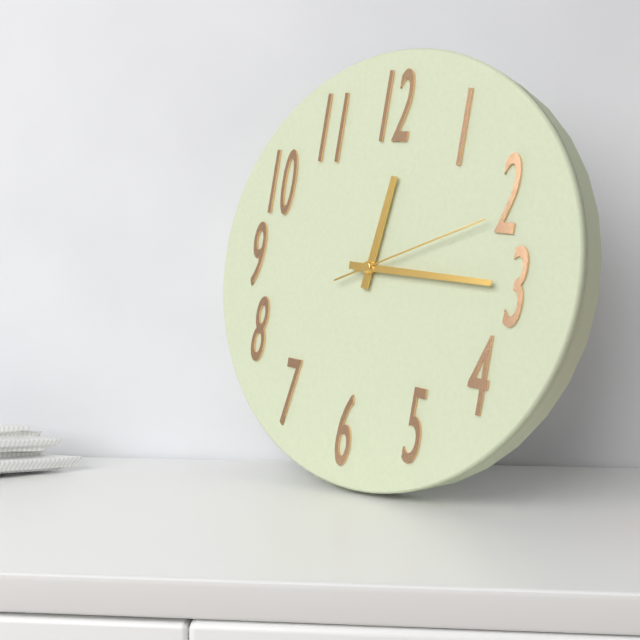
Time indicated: 12:15:11
